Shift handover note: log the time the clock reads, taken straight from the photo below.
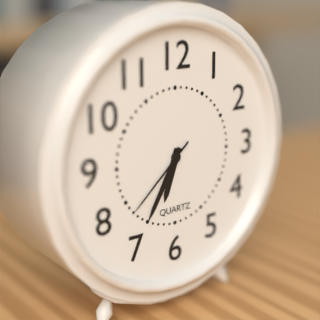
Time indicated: 6:35:38
